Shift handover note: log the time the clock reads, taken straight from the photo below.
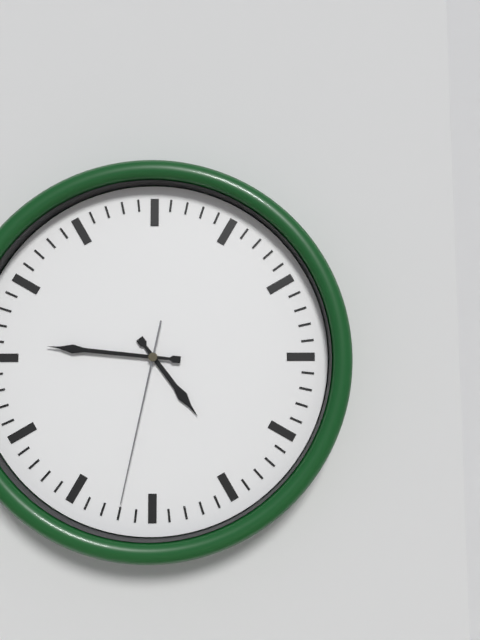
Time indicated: 4:46:32
